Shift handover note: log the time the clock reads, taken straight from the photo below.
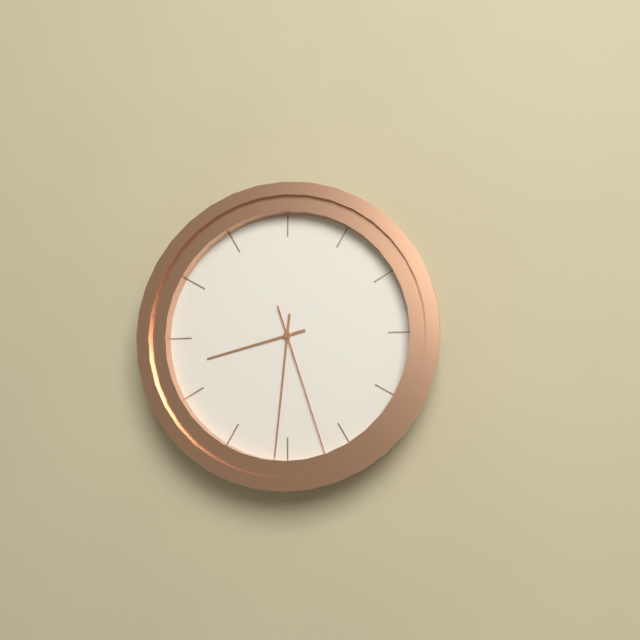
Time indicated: 8:31:27
